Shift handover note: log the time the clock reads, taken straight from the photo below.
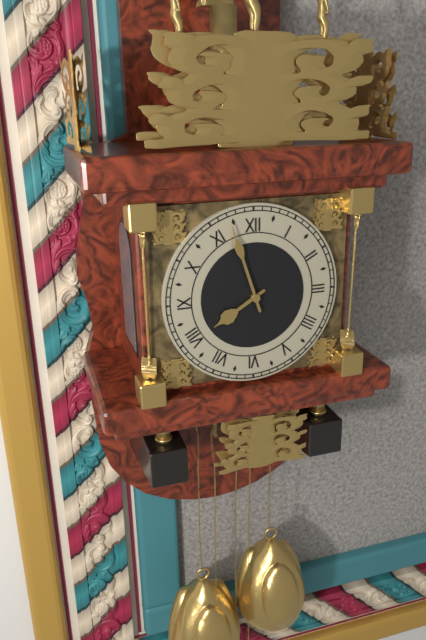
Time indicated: 7:57
